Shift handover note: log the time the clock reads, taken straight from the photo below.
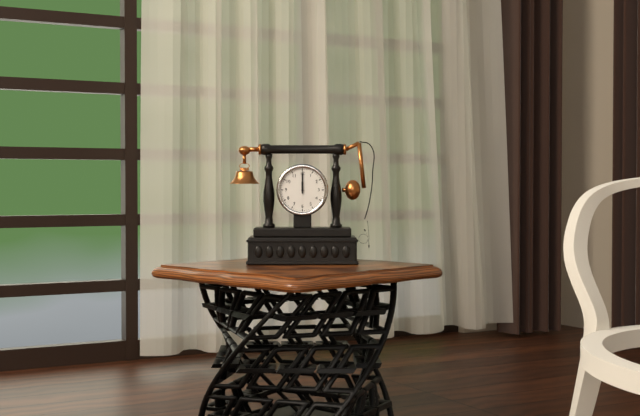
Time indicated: 12:00
